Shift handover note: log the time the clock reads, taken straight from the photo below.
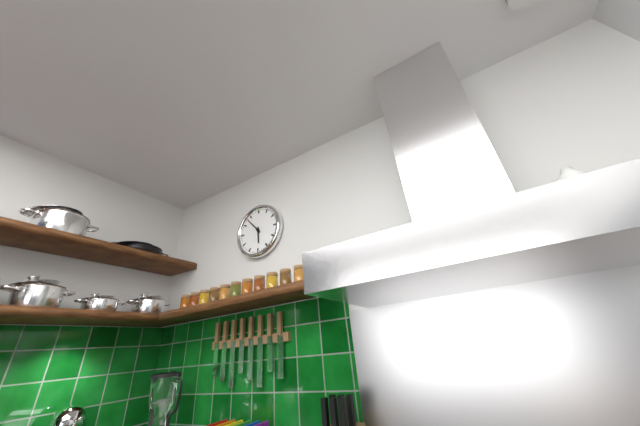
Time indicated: 5:53
